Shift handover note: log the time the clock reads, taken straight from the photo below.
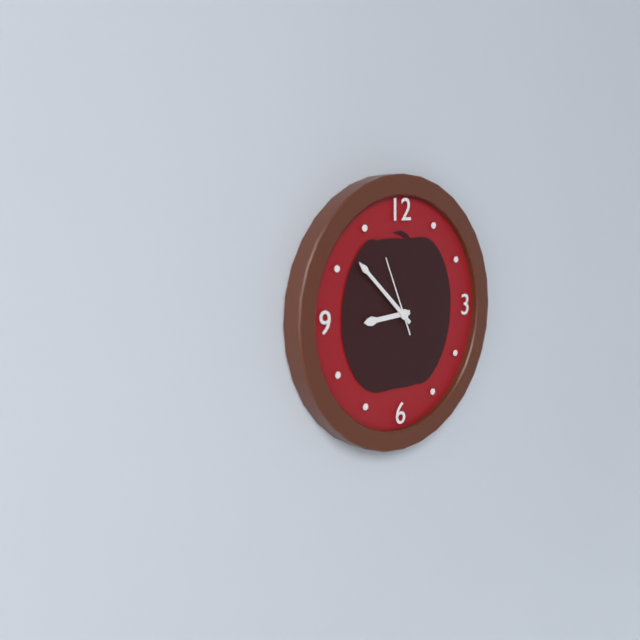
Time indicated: 8:52:56
